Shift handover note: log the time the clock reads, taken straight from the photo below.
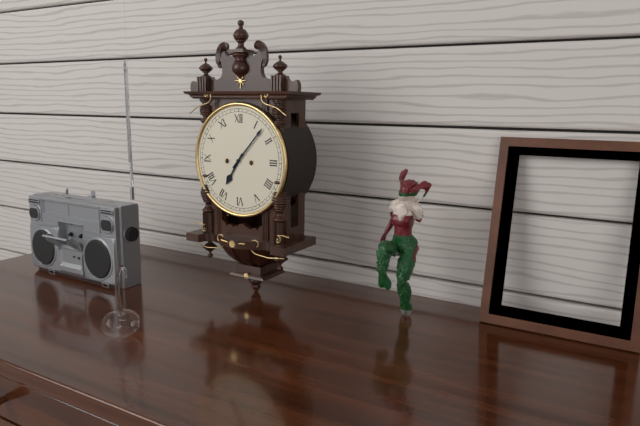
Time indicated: 7:07
